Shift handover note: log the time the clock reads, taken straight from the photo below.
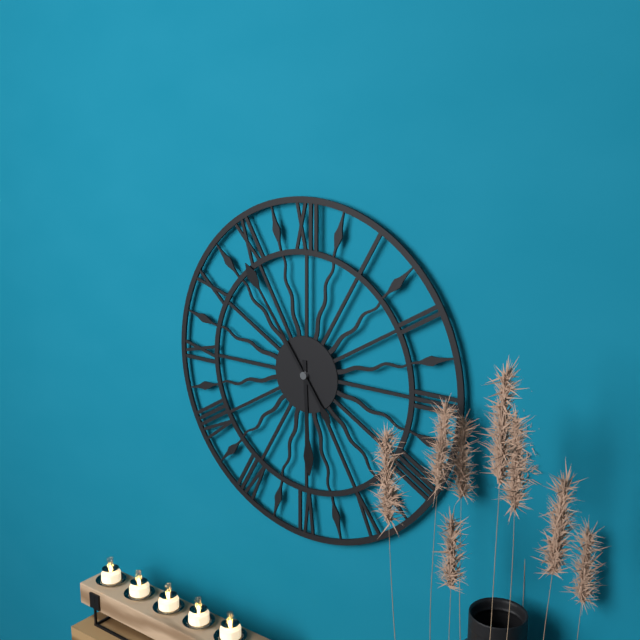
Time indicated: 5:54
